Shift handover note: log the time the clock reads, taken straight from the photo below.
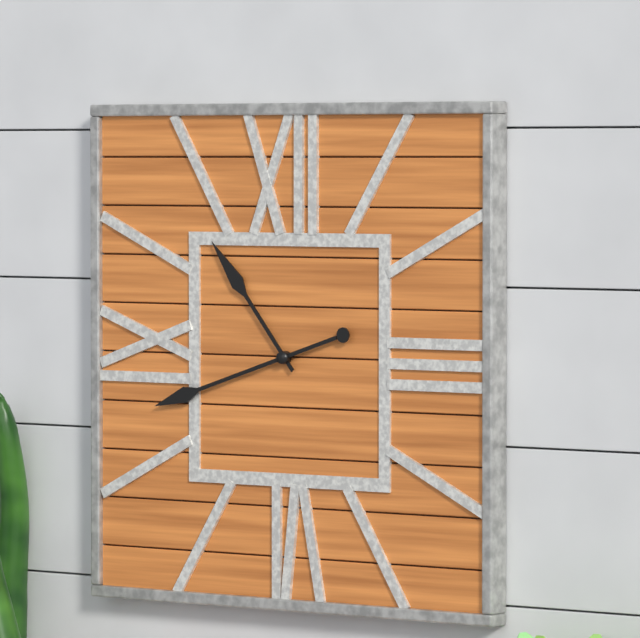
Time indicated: 10:42
